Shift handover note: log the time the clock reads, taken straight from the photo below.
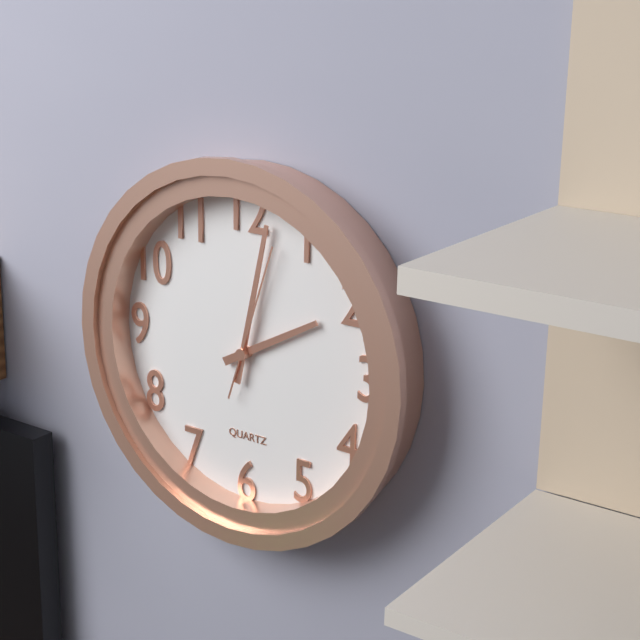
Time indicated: 2:02:03
